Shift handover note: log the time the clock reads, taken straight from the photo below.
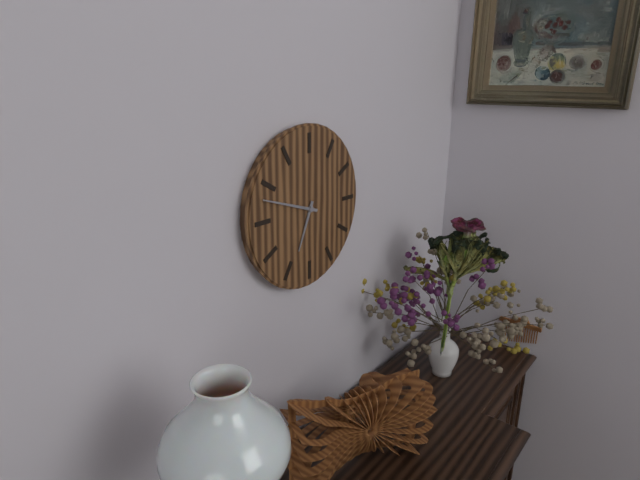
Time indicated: 6:48
